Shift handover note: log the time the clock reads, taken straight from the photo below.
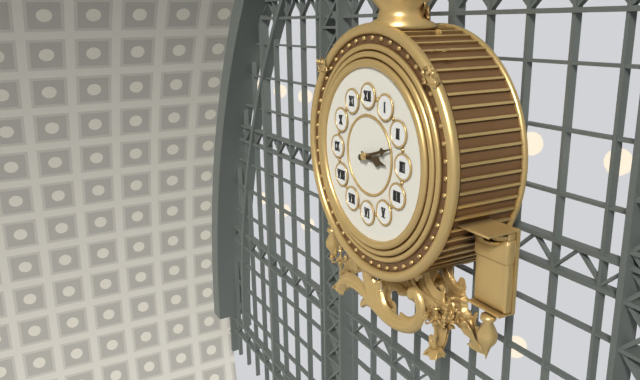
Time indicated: 3:12
